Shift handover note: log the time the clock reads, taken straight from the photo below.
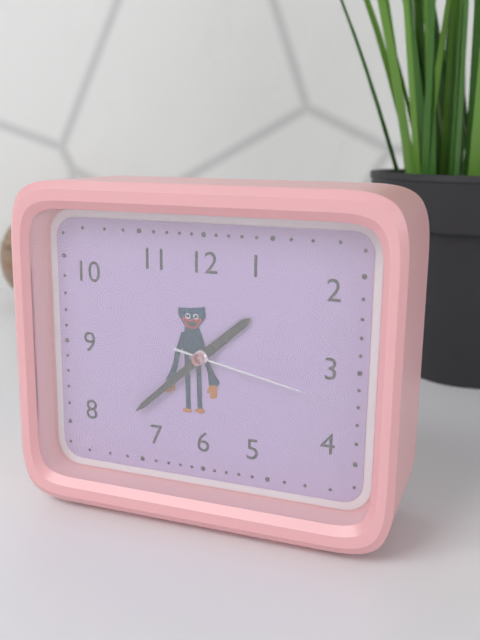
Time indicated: 1:38:17
